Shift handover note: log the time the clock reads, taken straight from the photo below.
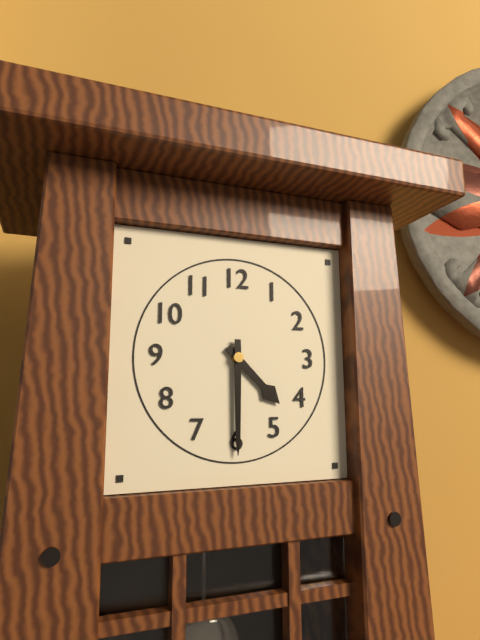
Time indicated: 4:30
